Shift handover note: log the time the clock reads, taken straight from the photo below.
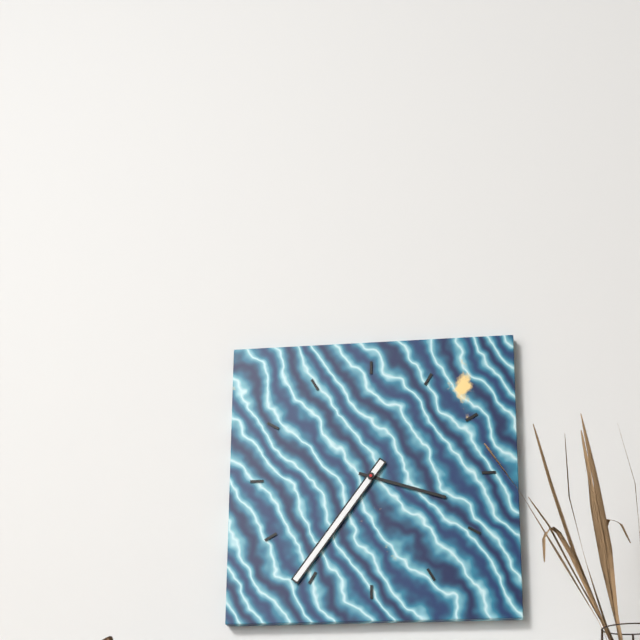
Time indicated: 3:36
